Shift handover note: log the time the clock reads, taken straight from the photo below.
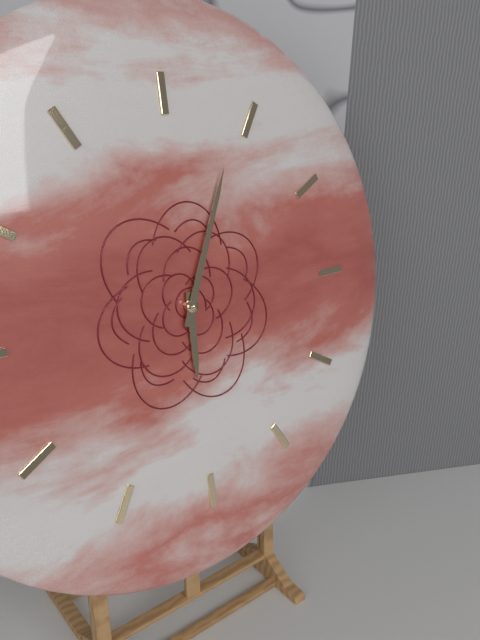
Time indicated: 6:04
